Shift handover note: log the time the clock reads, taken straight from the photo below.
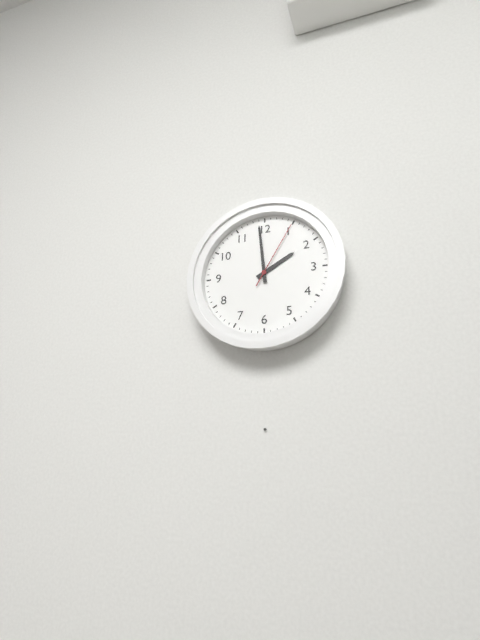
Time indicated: 1:59:05
